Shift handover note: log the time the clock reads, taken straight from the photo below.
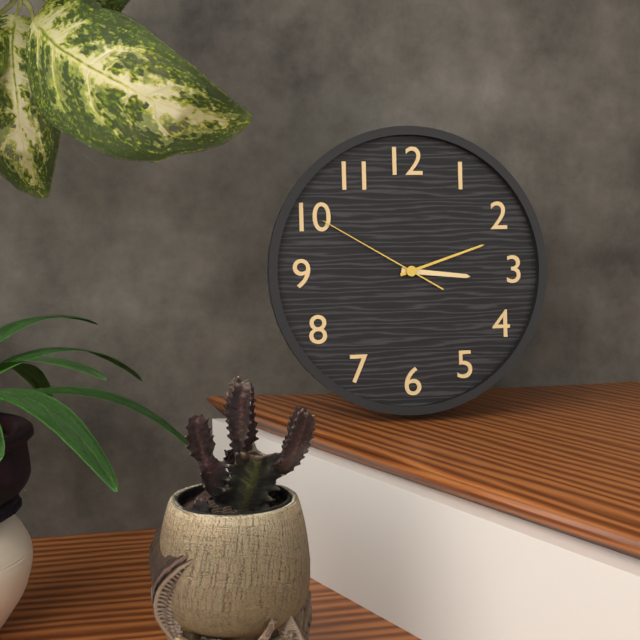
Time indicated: 3:12:50
